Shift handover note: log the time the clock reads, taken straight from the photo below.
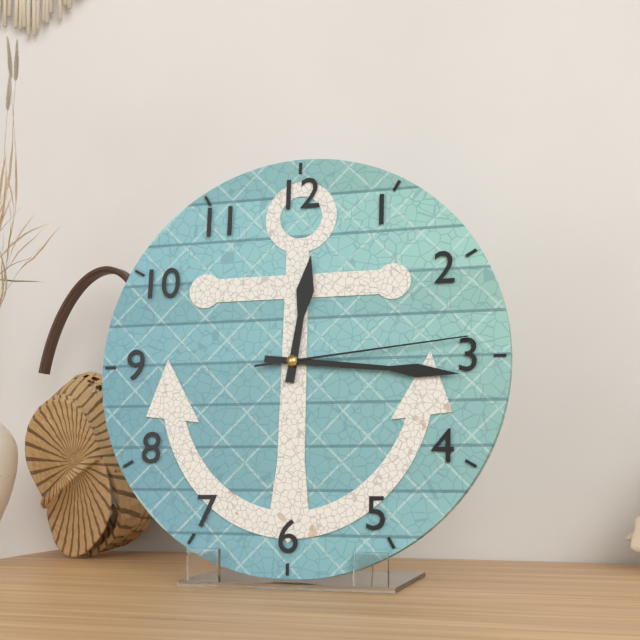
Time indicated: 12:16:14
